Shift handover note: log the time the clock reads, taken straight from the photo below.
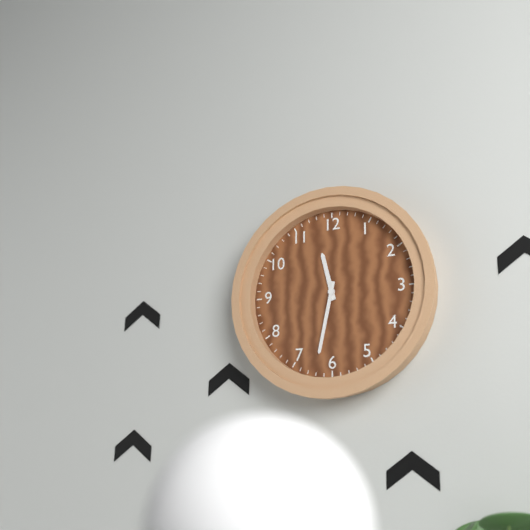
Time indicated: 11:32
